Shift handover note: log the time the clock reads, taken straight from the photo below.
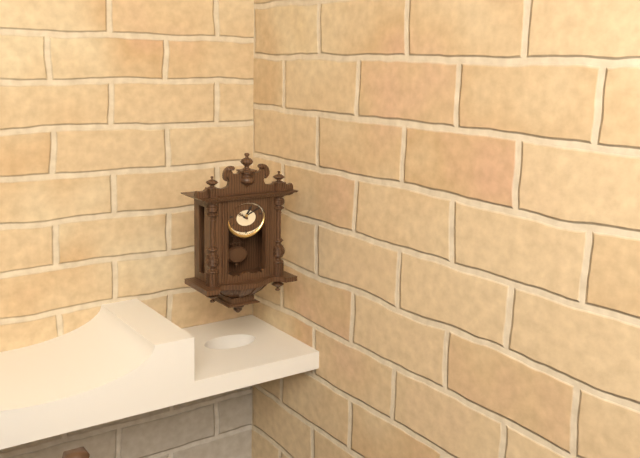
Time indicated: 1:11
